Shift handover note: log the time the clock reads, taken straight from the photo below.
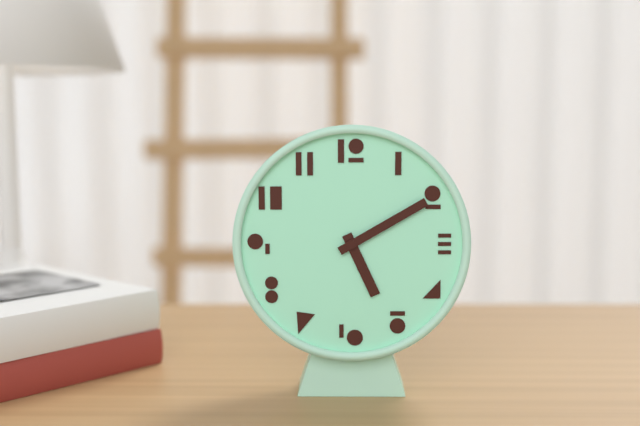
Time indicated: 5:10
